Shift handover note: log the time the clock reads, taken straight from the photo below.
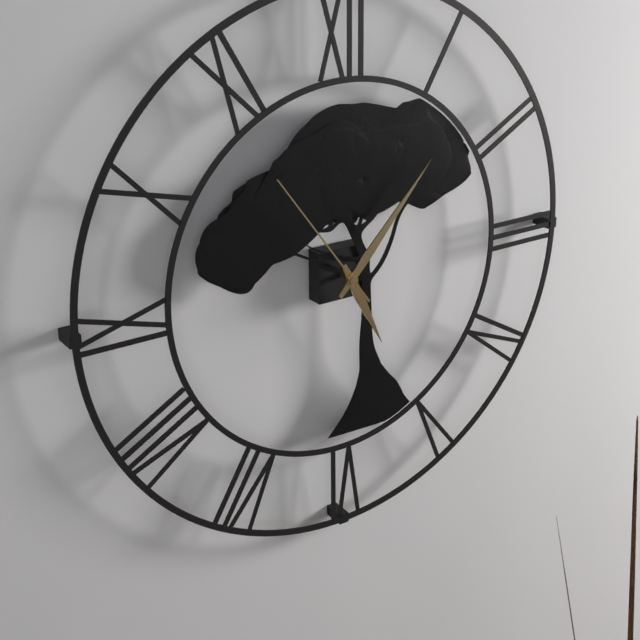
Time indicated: 5:07:54
